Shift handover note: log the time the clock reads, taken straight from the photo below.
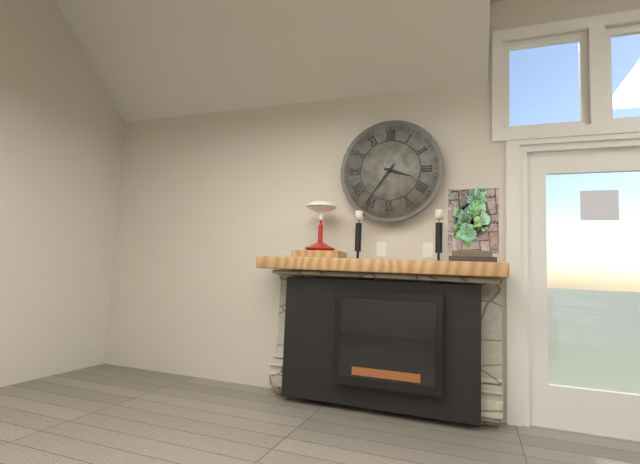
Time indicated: 3:36
